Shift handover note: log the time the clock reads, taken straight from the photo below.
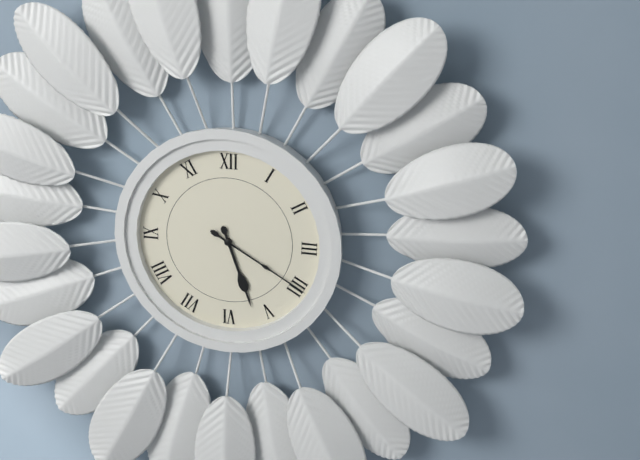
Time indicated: 5:20
